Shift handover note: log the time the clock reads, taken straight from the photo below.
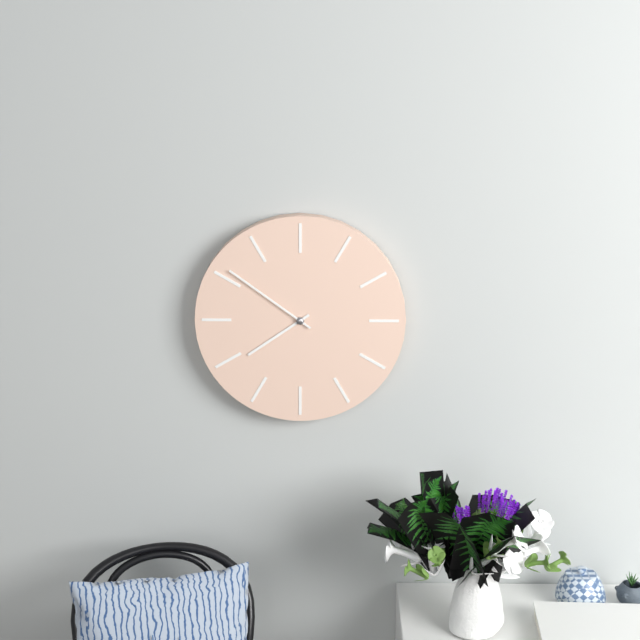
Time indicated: 7:51
